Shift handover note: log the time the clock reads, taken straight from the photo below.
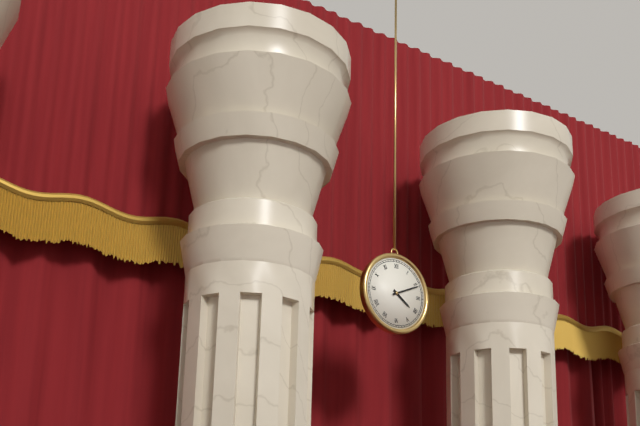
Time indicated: 4:11
